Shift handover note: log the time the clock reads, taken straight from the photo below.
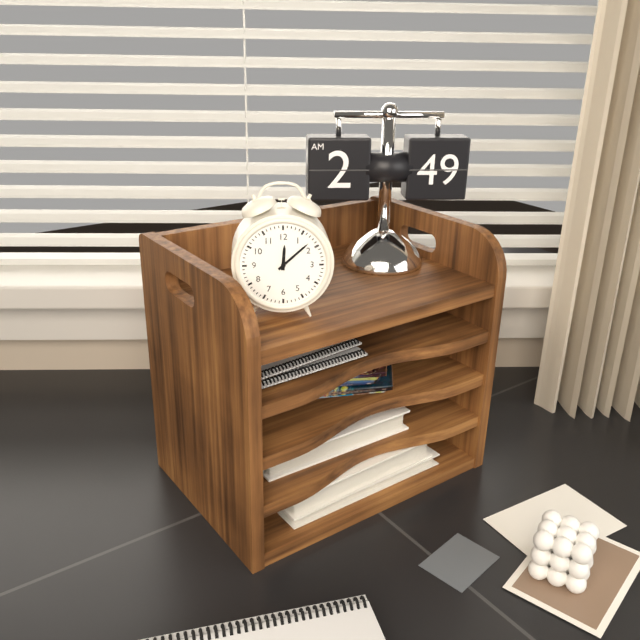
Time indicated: 12:08
